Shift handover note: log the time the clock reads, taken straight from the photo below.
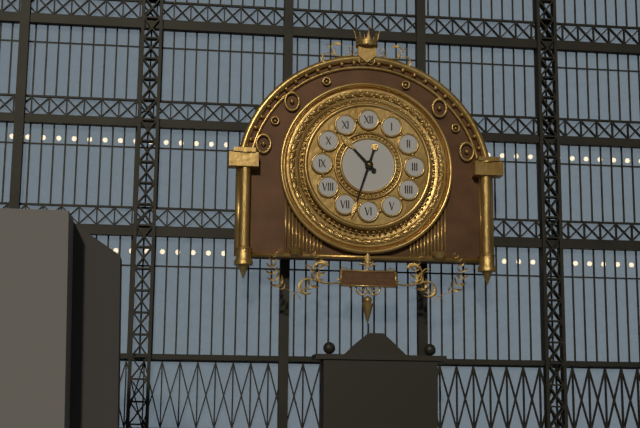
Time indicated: 10:33
